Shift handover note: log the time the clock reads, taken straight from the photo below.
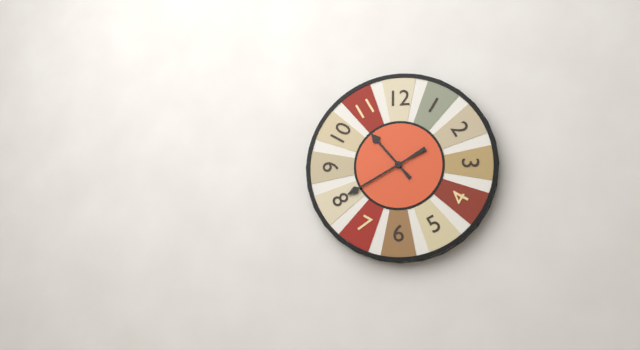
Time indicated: 10:40
